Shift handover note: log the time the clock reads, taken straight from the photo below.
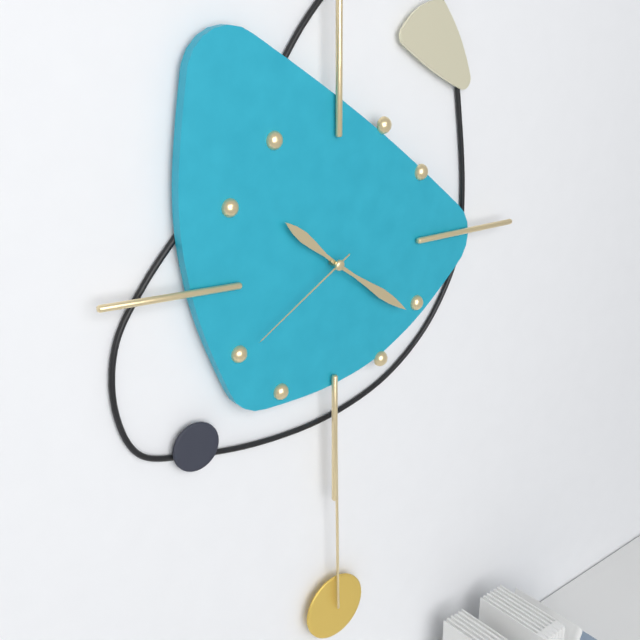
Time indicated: 10:21:40
